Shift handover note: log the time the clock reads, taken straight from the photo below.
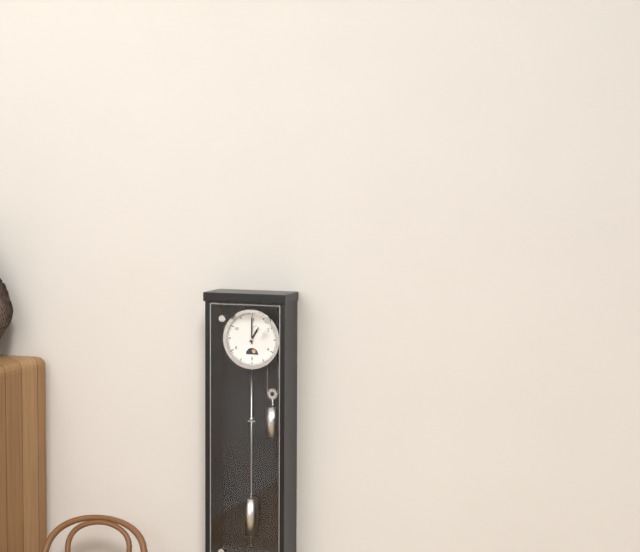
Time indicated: 1:00
